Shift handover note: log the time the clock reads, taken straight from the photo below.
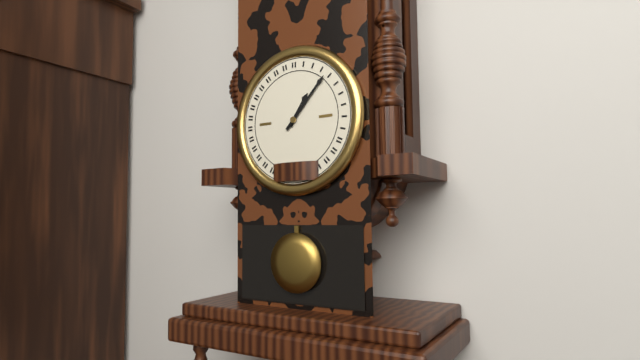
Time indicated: 1:07
